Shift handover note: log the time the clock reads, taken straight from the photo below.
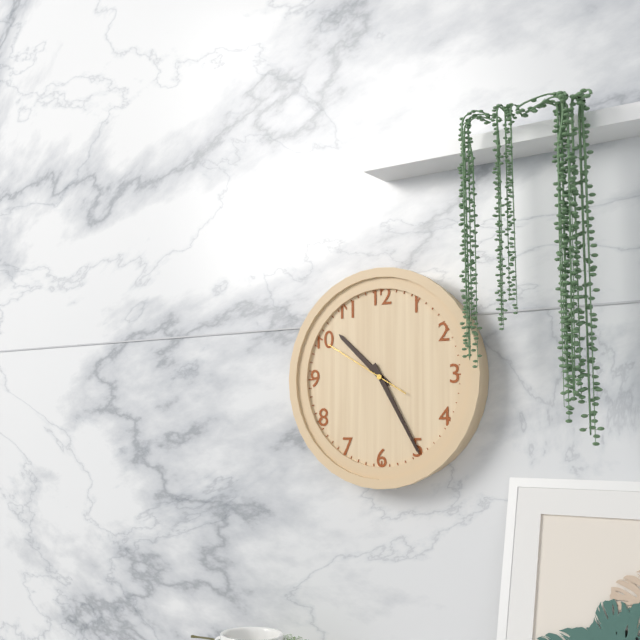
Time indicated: 10:25:50
